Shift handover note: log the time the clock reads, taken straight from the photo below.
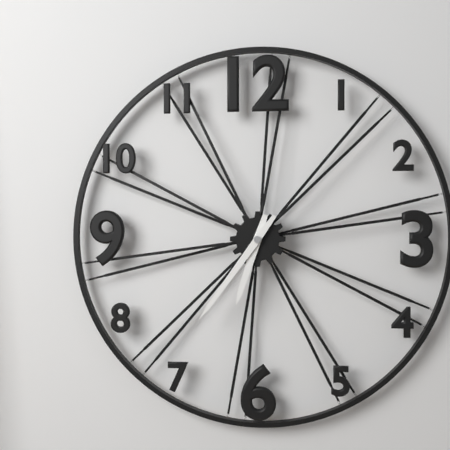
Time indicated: 6:36
